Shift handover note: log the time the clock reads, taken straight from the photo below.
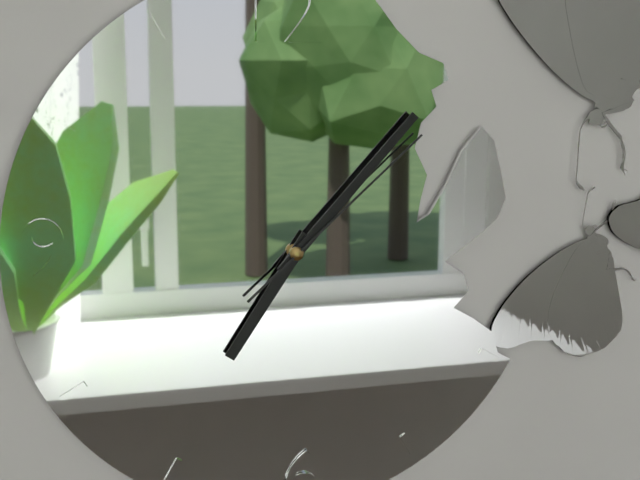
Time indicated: 7:07:08
